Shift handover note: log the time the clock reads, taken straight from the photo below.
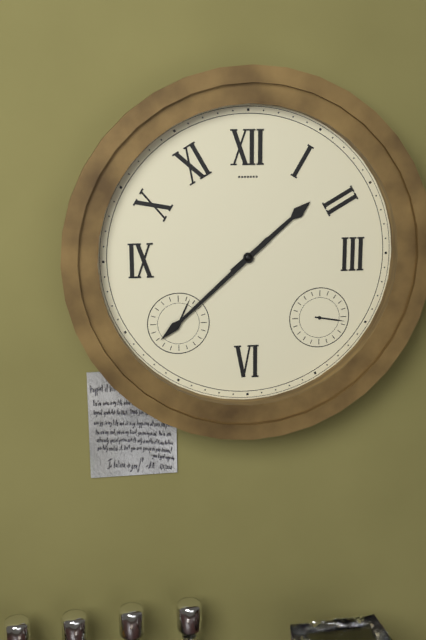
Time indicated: 1:38
